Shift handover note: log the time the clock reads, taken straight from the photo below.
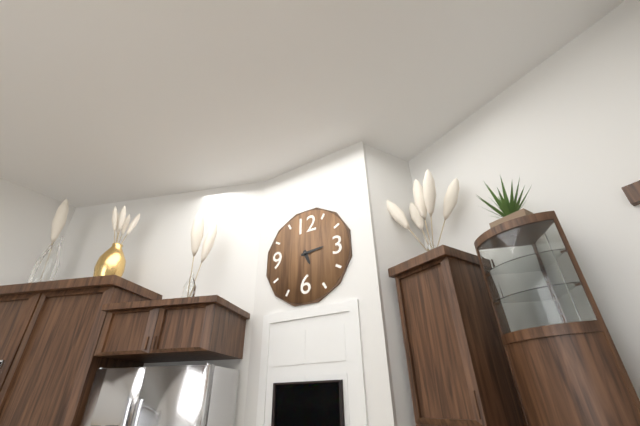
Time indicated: 5:14
